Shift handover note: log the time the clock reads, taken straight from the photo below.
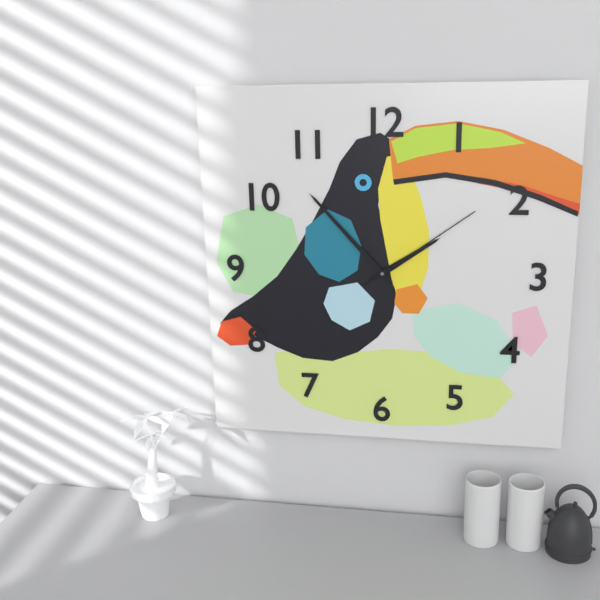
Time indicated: 1:53:09
